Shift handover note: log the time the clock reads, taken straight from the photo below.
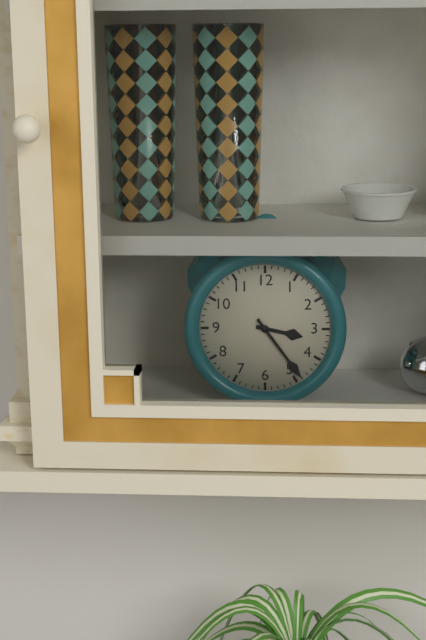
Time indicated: 3:24
